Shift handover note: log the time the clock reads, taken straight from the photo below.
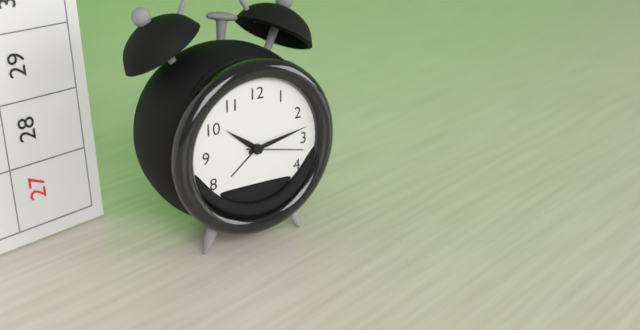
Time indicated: 10:13:17
